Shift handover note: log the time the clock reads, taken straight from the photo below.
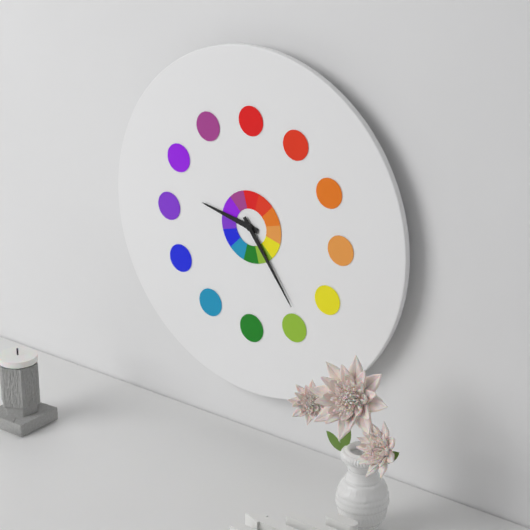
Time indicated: 9:24
